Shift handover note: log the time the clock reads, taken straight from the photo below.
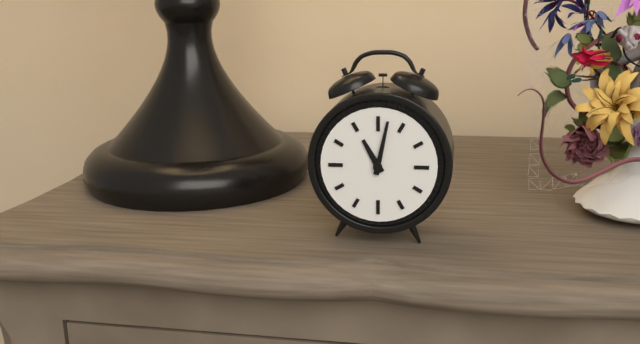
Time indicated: 11:02
